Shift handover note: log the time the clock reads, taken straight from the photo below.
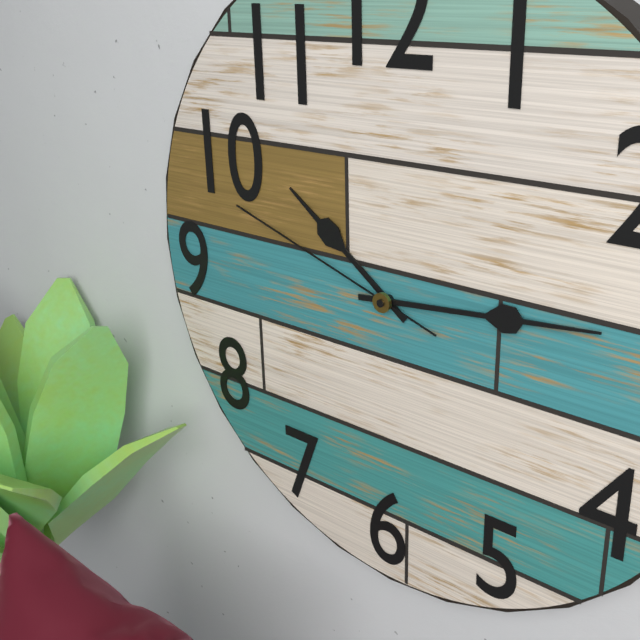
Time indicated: 10:14:48
